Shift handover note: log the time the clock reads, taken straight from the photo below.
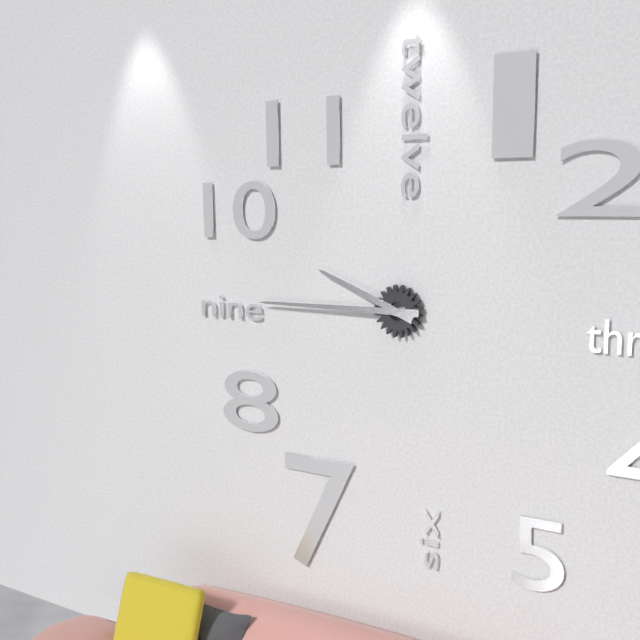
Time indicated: 9:45
